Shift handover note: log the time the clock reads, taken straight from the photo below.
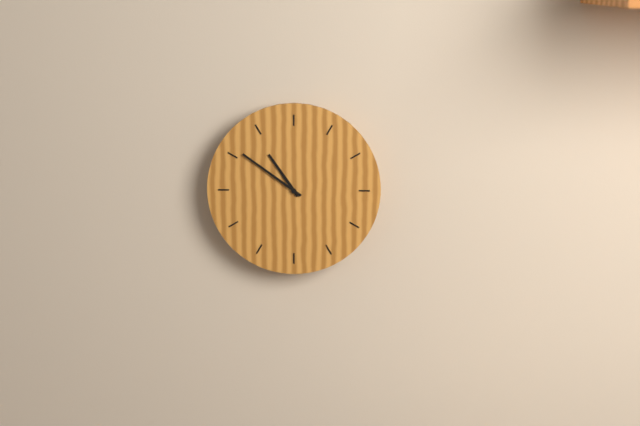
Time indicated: 10:51
